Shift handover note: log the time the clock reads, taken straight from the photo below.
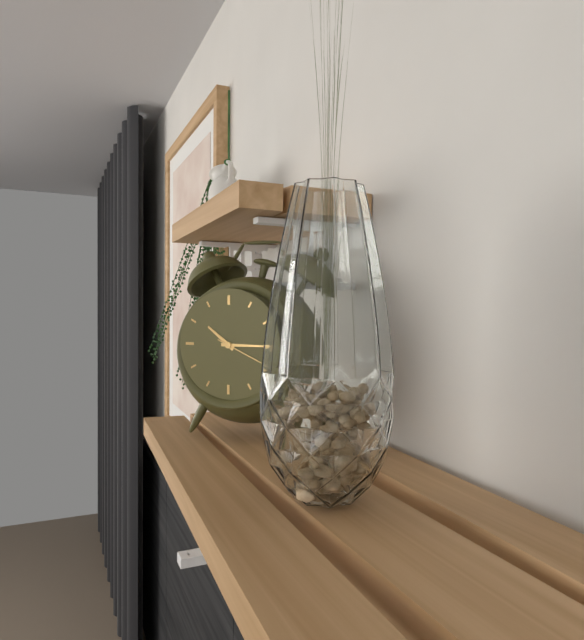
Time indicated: 10:15:19
